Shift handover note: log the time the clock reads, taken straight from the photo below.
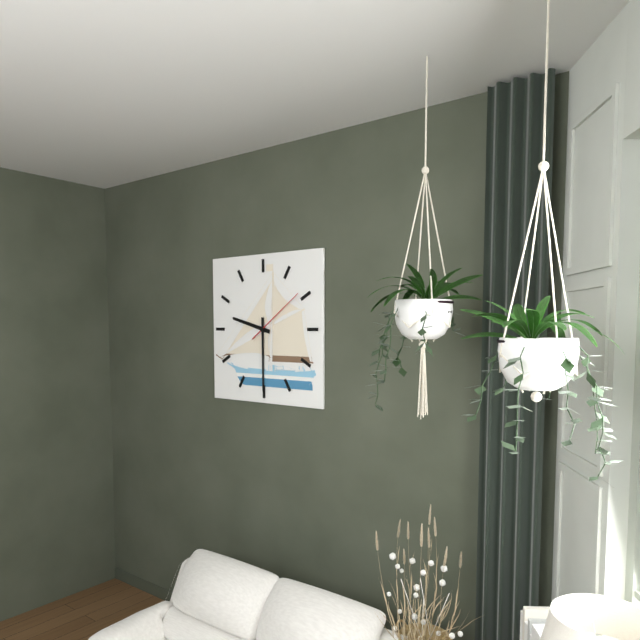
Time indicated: 9:30:09
